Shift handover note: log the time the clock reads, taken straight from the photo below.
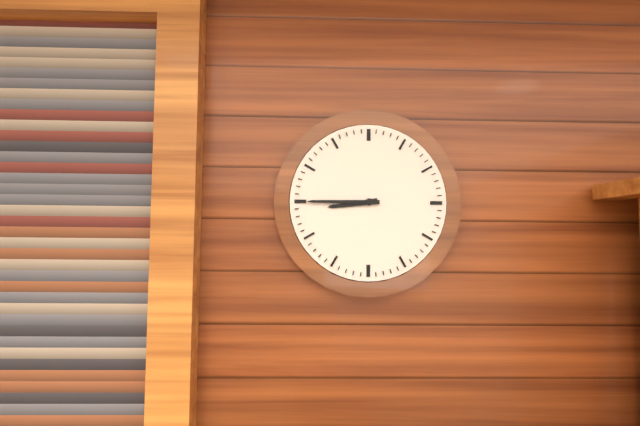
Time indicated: 8:45
